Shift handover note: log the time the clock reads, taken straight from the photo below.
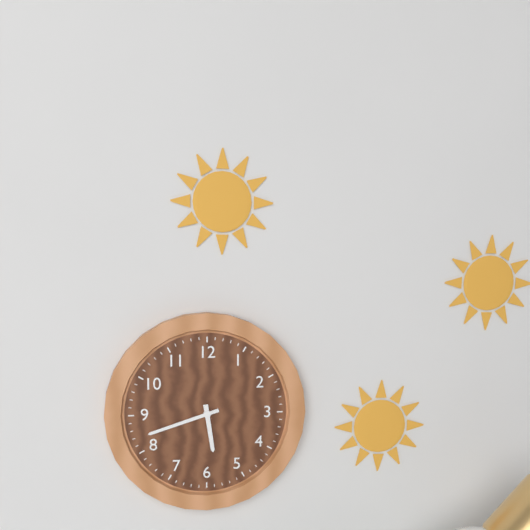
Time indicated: 5:42
